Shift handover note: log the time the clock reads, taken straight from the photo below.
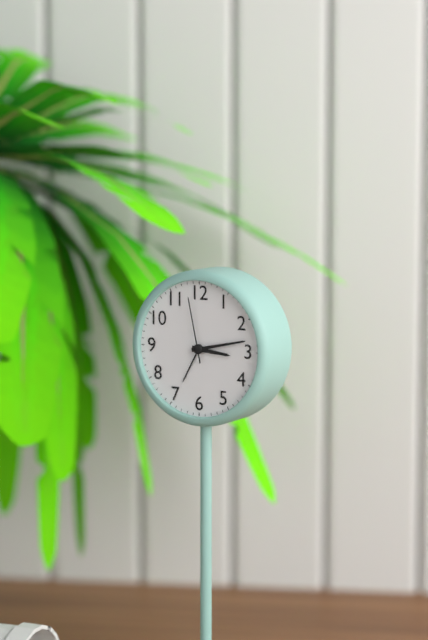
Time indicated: 3:13:58
